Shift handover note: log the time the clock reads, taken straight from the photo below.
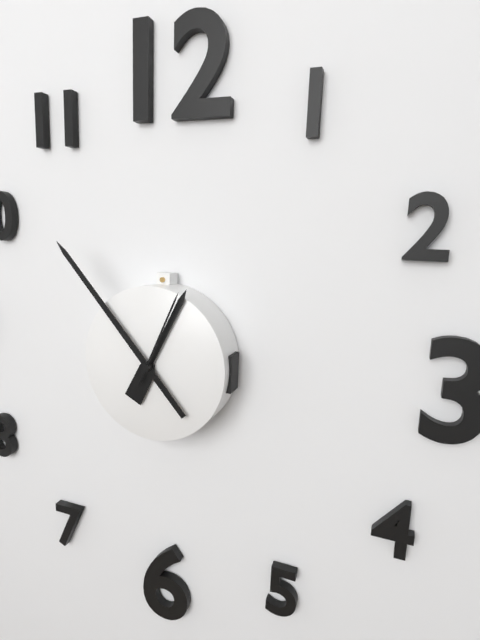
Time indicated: 12:53:04
